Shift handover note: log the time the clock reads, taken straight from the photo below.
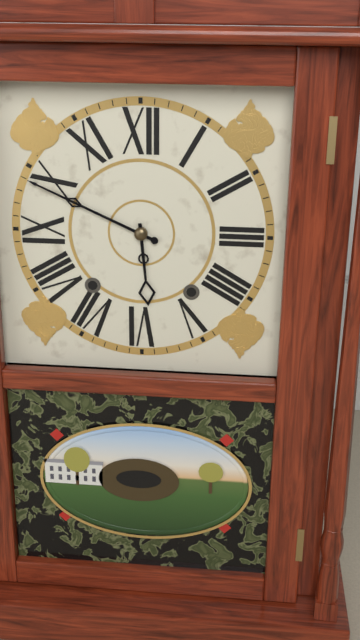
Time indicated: 5:49
